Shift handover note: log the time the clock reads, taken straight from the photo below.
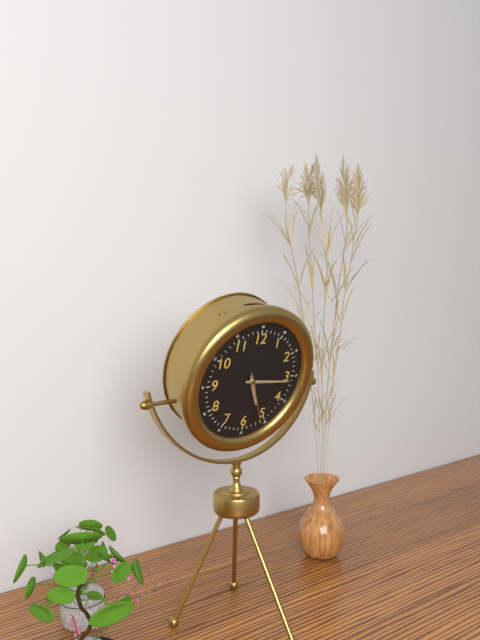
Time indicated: 5:16:26
